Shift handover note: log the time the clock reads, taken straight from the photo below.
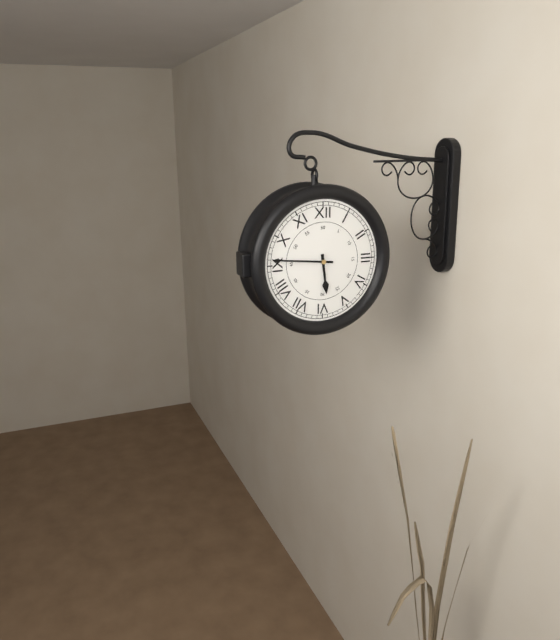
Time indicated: 5:46
